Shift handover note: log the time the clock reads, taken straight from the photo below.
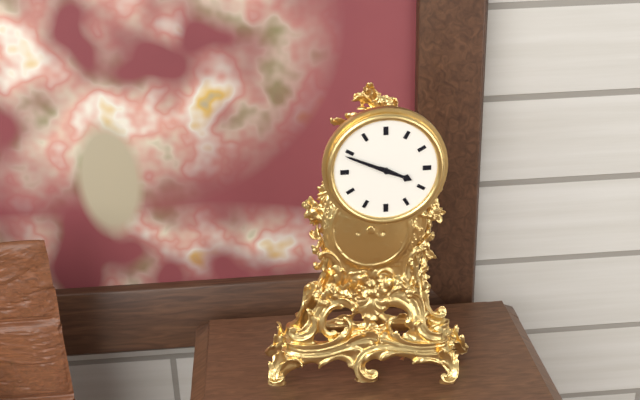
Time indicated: 3:49
